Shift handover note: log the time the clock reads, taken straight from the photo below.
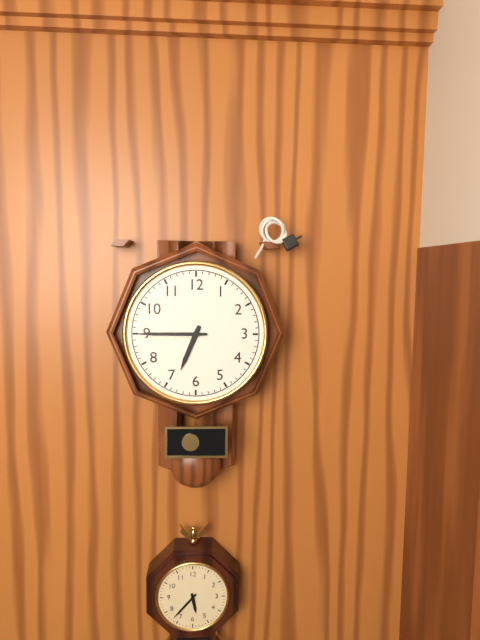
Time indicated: 6:45
